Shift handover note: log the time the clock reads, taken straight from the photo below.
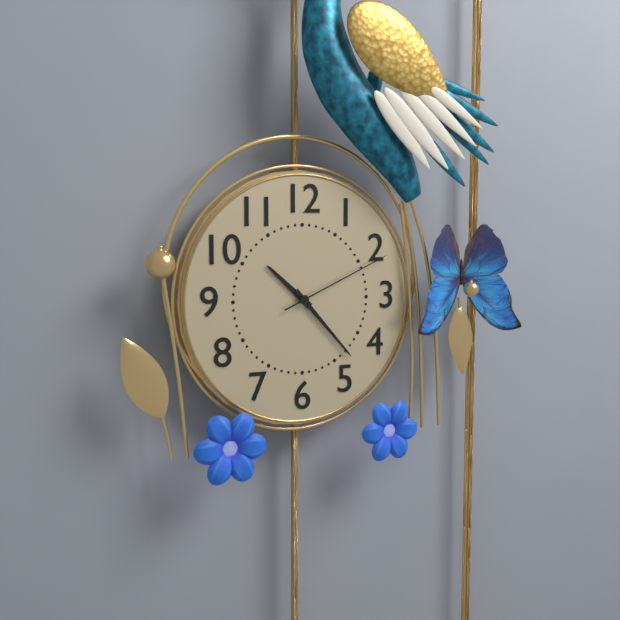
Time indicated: 10:23:11
